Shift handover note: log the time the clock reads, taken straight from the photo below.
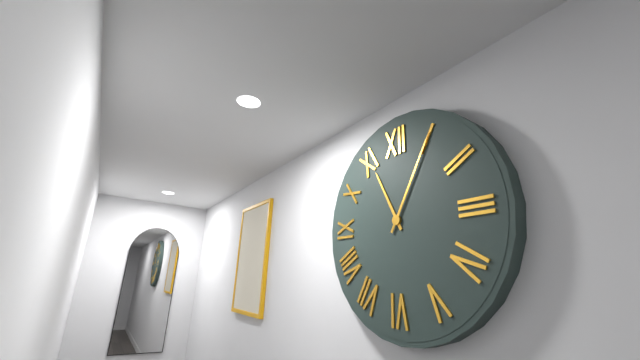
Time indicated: 11:05
